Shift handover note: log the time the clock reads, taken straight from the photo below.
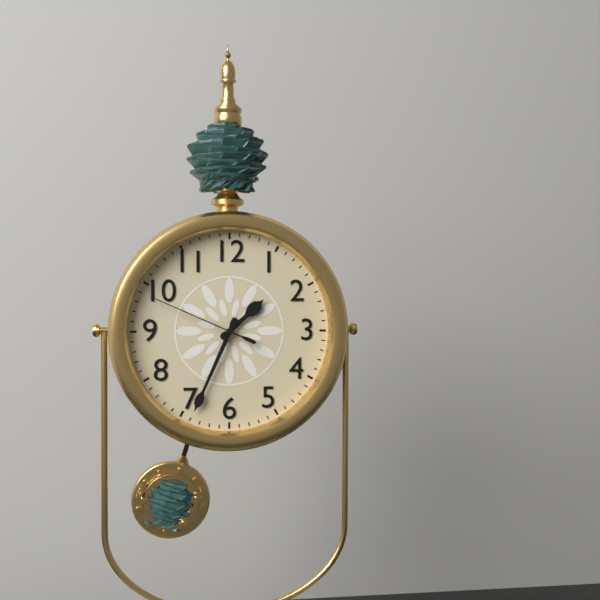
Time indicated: 1:34:49
